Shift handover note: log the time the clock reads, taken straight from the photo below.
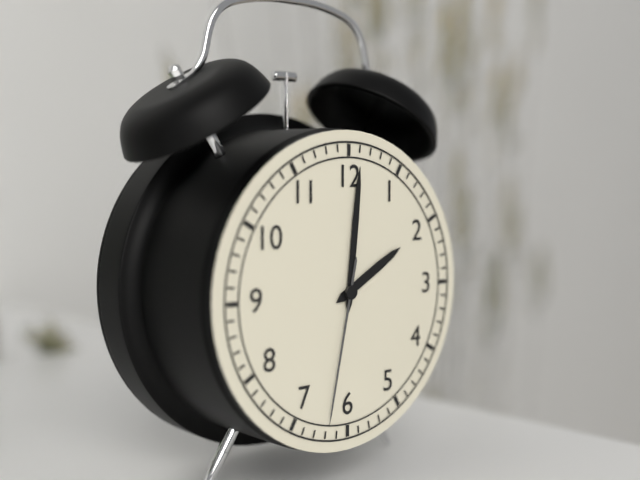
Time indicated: 2:01:32
